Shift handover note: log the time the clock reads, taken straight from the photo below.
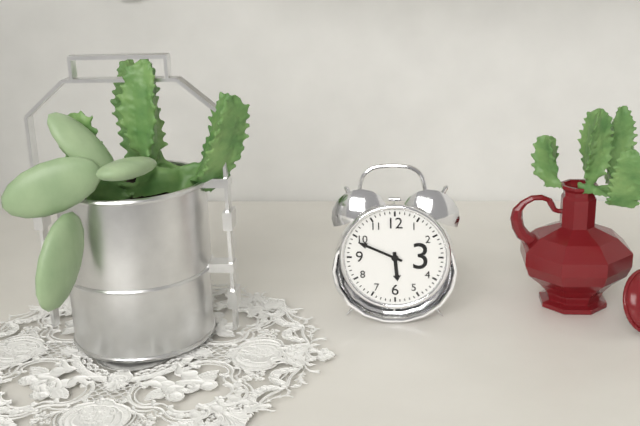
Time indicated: 5:49
